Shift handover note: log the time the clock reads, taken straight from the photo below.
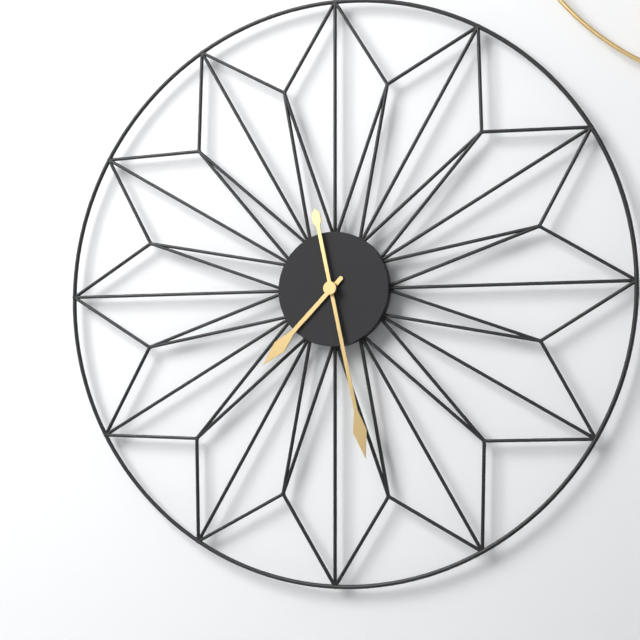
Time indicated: 7:28
